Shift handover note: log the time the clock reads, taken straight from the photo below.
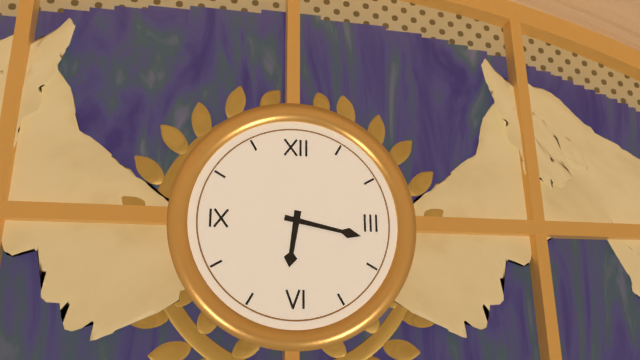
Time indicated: 6:17
